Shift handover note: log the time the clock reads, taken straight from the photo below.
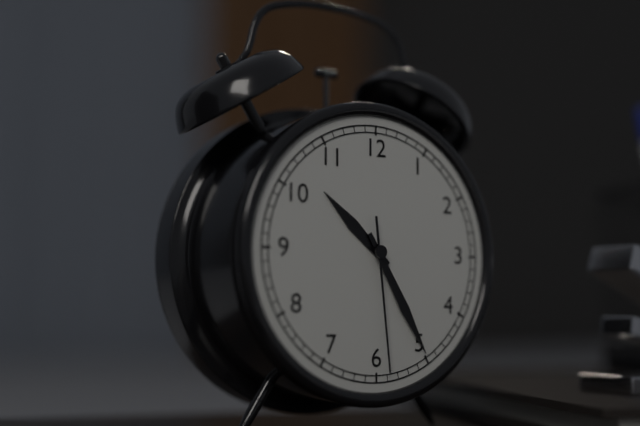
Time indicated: 10:25:29
